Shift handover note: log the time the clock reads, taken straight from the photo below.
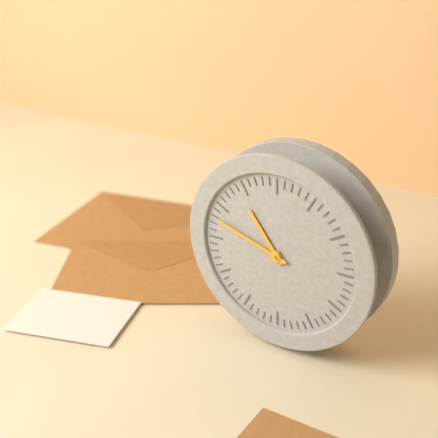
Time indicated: 10:48
